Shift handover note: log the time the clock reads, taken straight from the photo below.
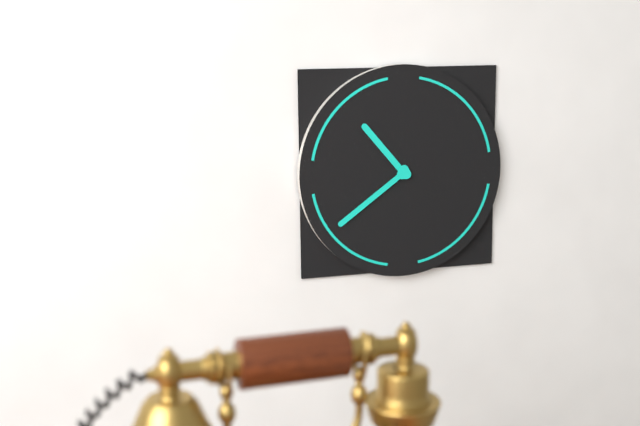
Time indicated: 10:39
